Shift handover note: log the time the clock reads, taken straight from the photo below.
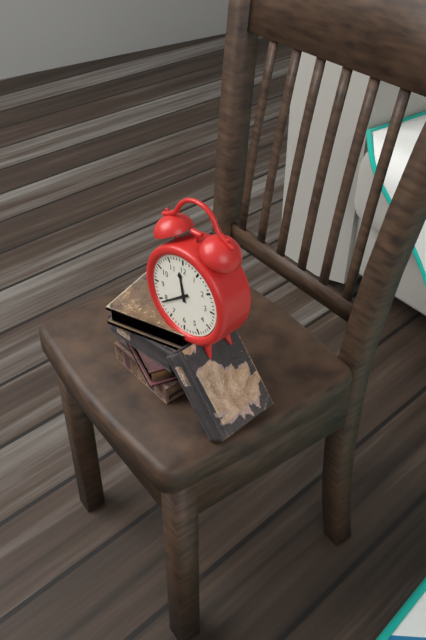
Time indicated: 11:39
